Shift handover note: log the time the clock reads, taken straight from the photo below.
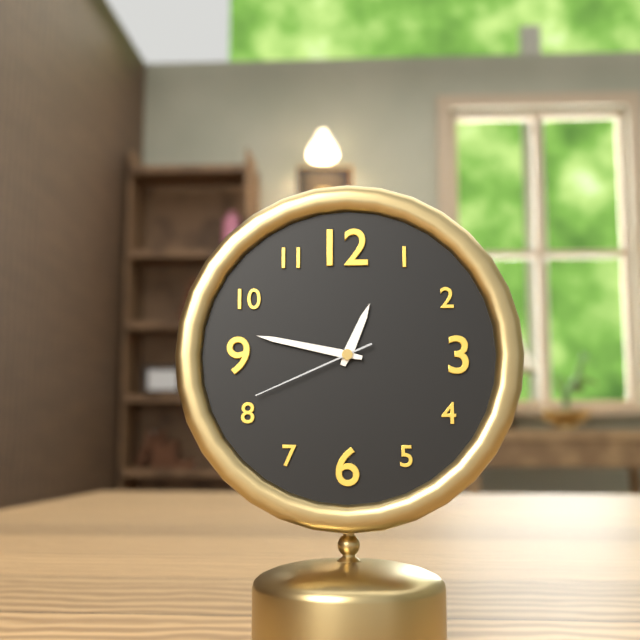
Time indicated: 12:47:41
